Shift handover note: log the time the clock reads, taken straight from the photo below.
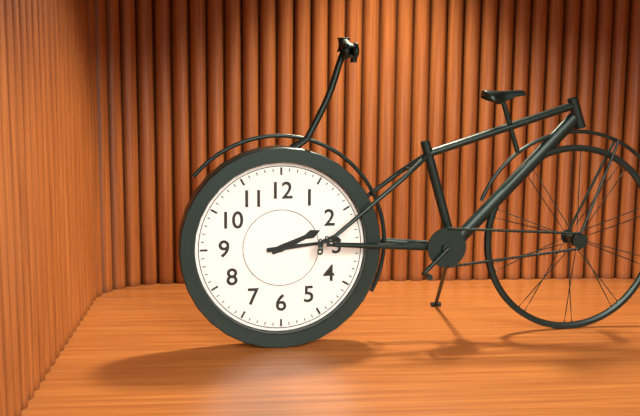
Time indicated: 2:14
